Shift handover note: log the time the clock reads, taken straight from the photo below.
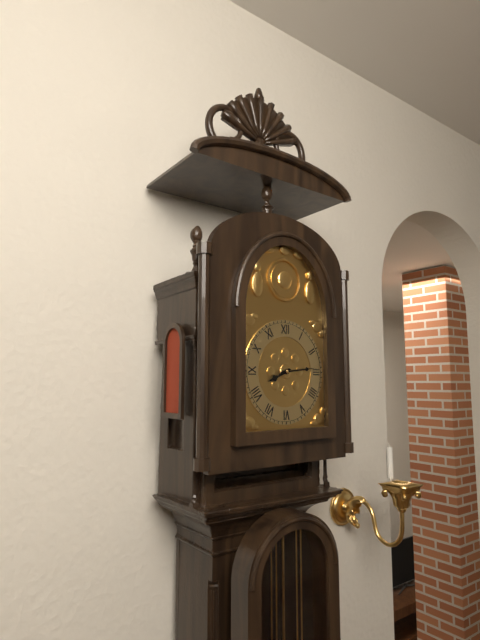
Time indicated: 8:14
